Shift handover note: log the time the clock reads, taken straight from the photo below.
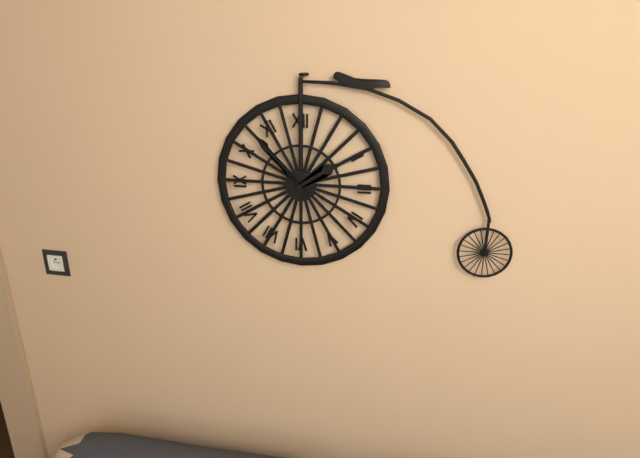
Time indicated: 1:53
